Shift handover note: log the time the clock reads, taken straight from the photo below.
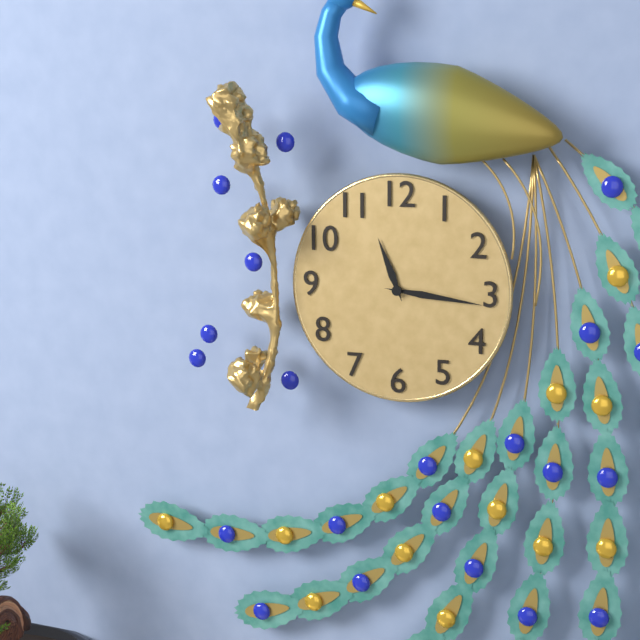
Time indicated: 11:16
